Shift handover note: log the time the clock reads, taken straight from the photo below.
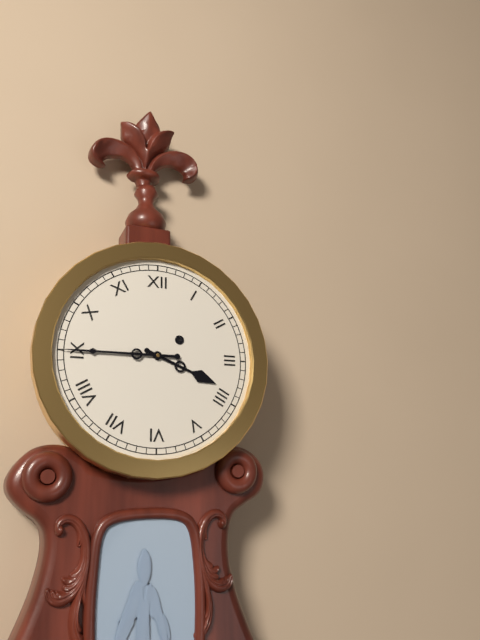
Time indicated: 3:45
